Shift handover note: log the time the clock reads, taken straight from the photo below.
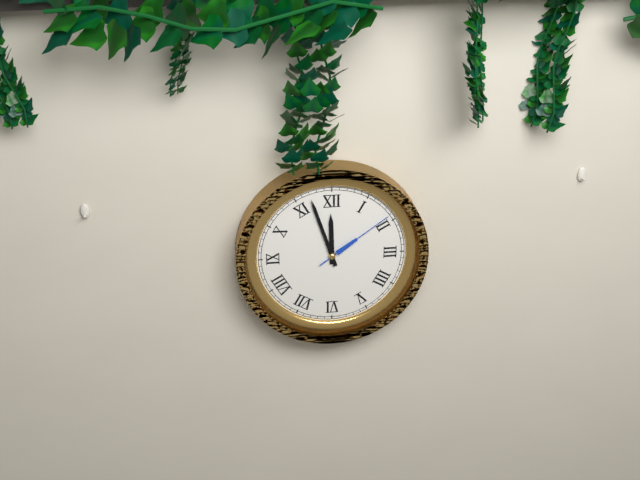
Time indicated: 11:57:09
